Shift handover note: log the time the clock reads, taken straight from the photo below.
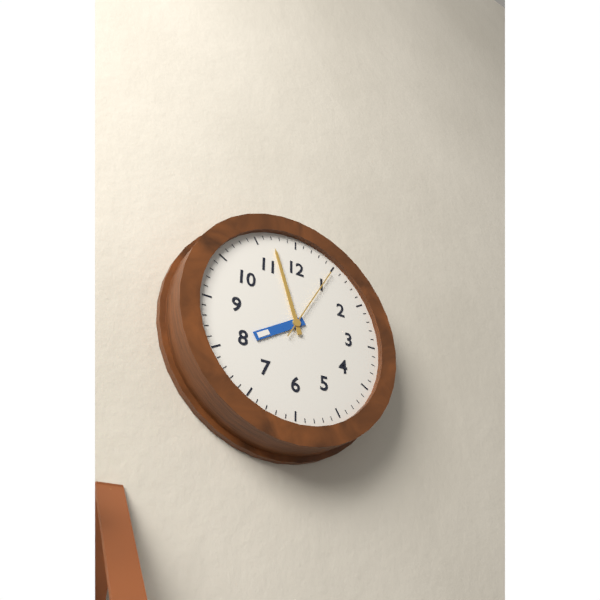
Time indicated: 7:57:05
